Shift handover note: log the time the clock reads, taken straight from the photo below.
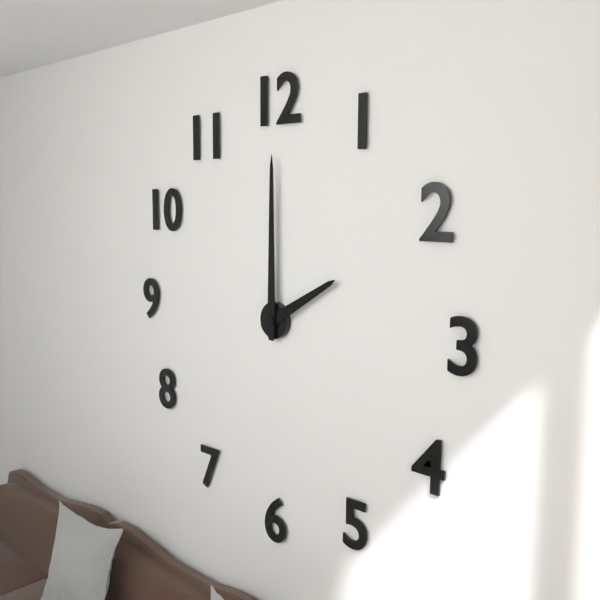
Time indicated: 2:00
